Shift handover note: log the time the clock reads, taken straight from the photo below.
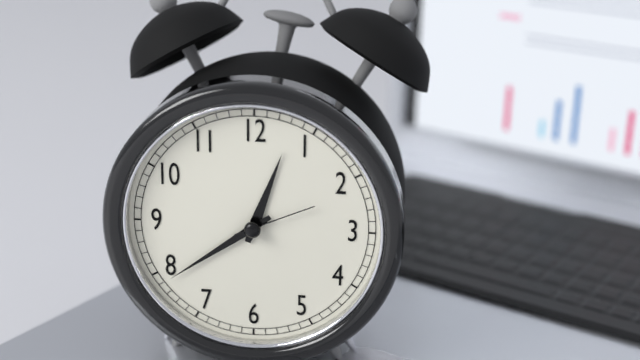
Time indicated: 12:39:11
